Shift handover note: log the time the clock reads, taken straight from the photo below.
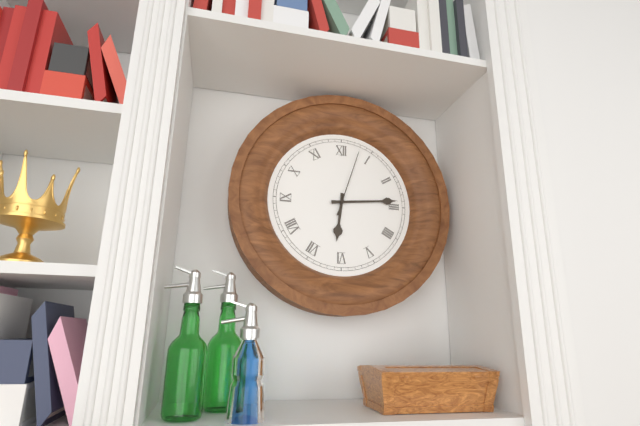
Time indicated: 6:14:03
